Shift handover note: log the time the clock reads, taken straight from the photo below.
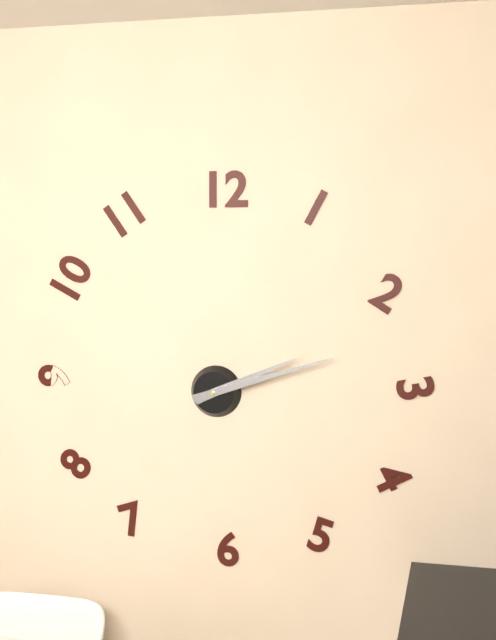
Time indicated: 2:12
